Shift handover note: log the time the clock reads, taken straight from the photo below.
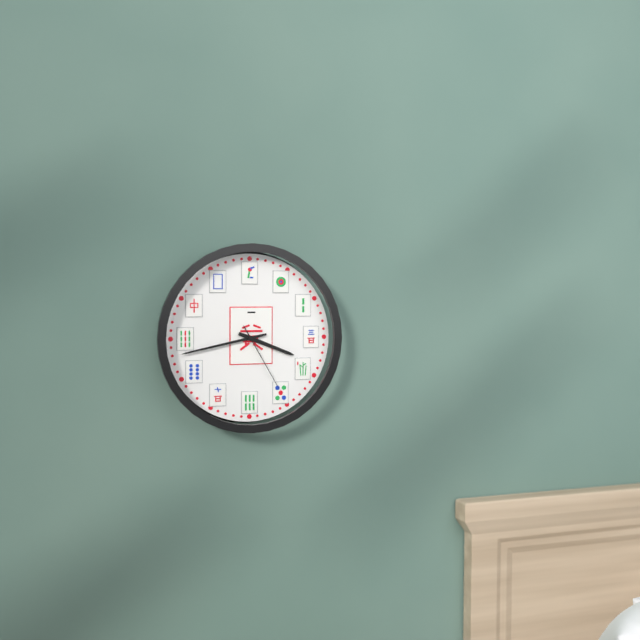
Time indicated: 3:43:25
